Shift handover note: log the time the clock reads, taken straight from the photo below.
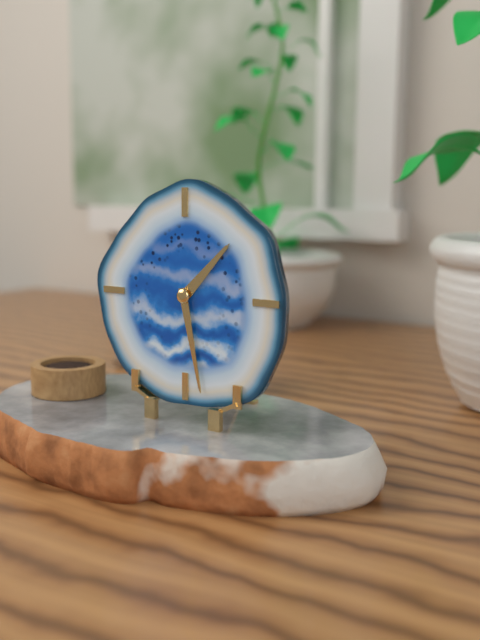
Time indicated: 1:28
